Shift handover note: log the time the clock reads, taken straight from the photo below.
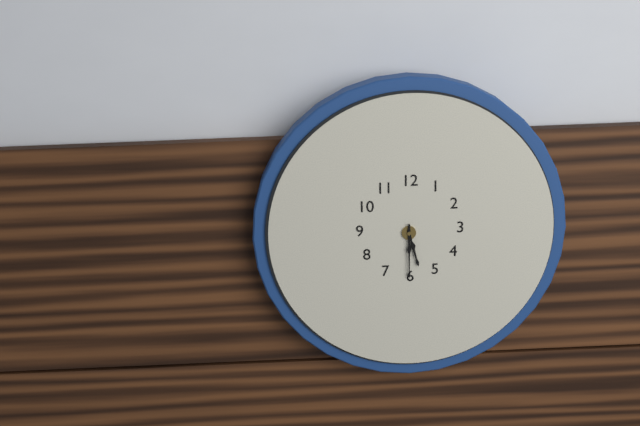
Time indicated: 5:30
